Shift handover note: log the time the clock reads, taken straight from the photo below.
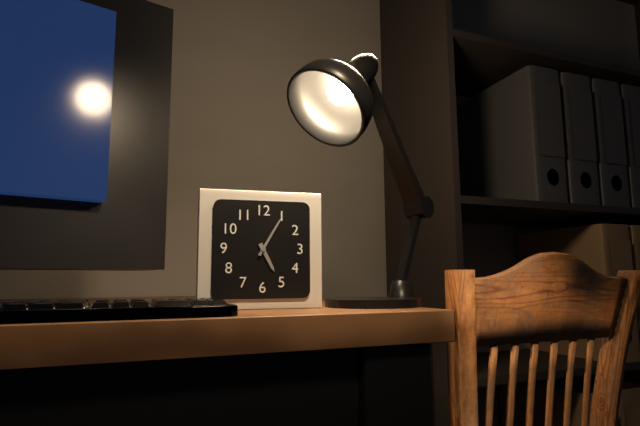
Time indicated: 5:05
